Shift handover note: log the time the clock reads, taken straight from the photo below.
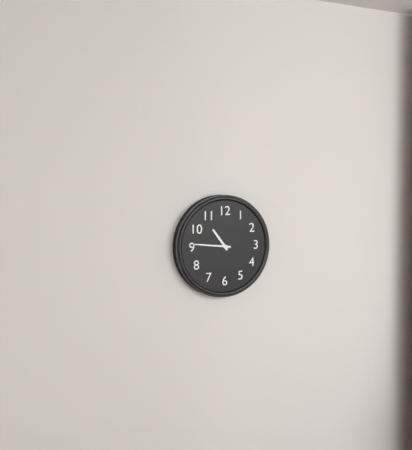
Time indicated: 10:46
